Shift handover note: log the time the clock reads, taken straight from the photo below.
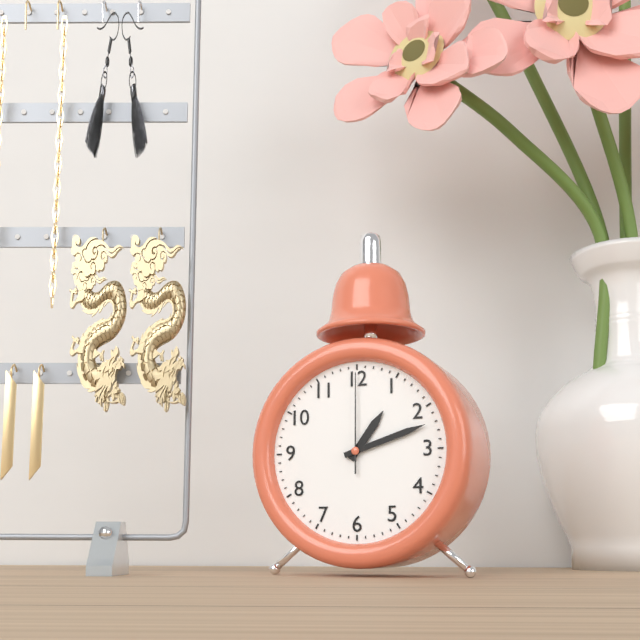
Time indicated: 1:12:00
